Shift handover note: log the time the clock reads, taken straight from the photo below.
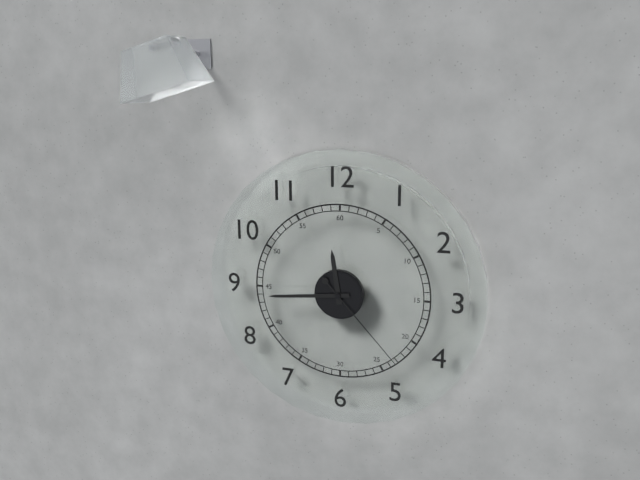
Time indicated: 11:44:23
